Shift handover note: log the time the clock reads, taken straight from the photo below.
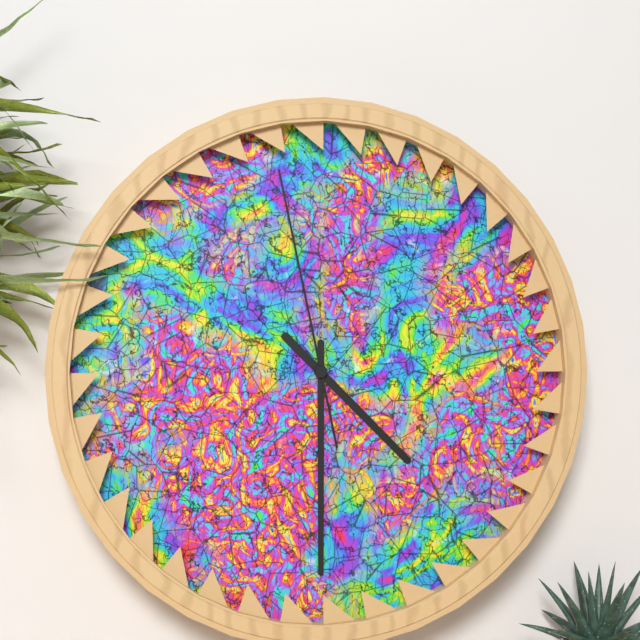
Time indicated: 4:30:58
